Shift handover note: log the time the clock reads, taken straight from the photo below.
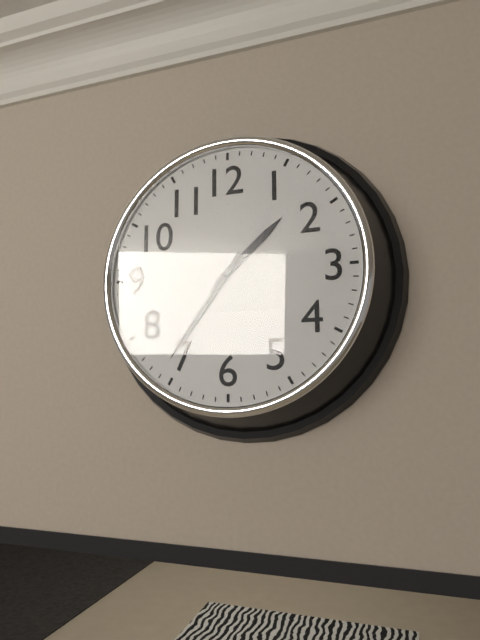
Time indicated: 1:36
